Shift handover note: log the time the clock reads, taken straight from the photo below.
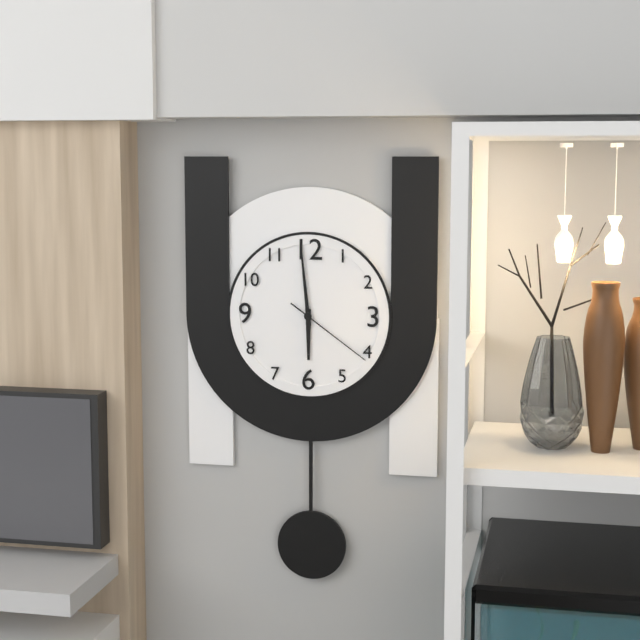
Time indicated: 5:59:21
